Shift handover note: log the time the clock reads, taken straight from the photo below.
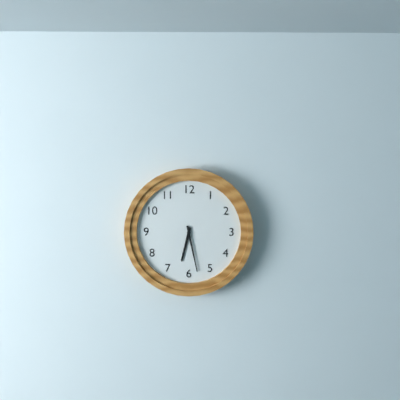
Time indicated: 6:28
